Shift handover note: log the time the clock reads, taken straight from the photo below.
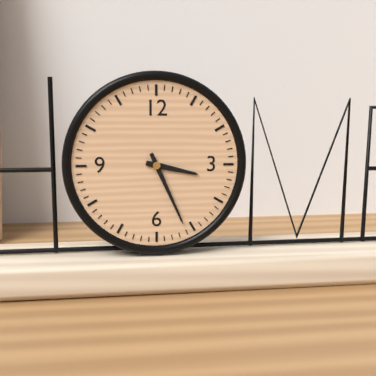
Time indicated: 3:26
